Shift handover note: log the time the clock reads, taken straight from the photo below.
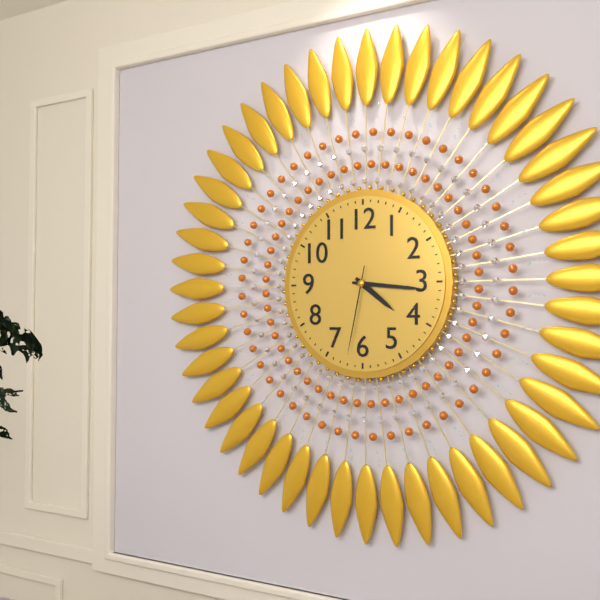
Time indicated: 4:16:32
